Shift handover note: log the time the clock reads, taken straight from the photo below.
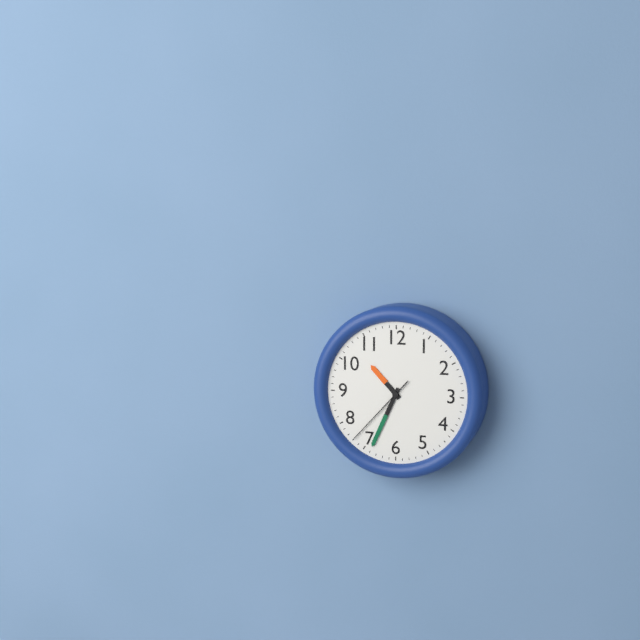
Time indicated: 10:34:37
